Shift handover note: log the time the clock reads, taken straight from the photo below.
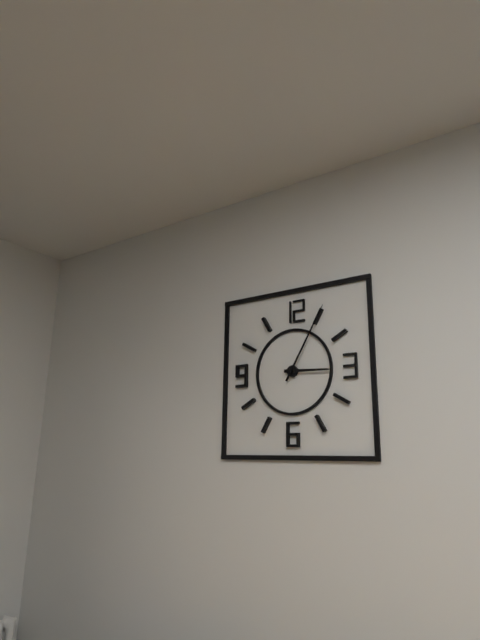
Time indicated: 3:05
